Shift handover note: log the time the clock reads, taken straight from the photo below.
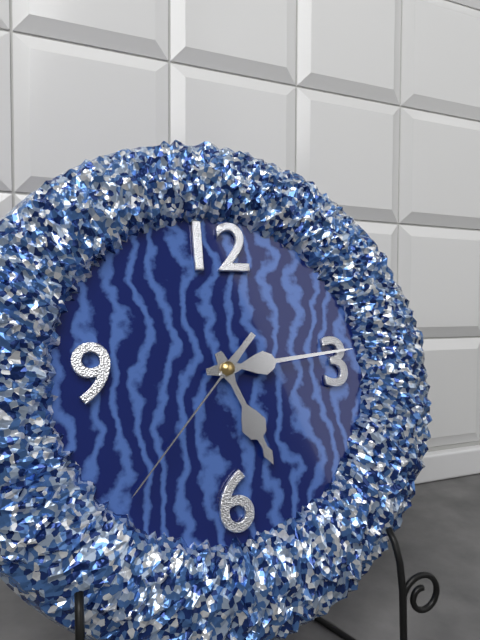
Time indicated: 5:14:37
